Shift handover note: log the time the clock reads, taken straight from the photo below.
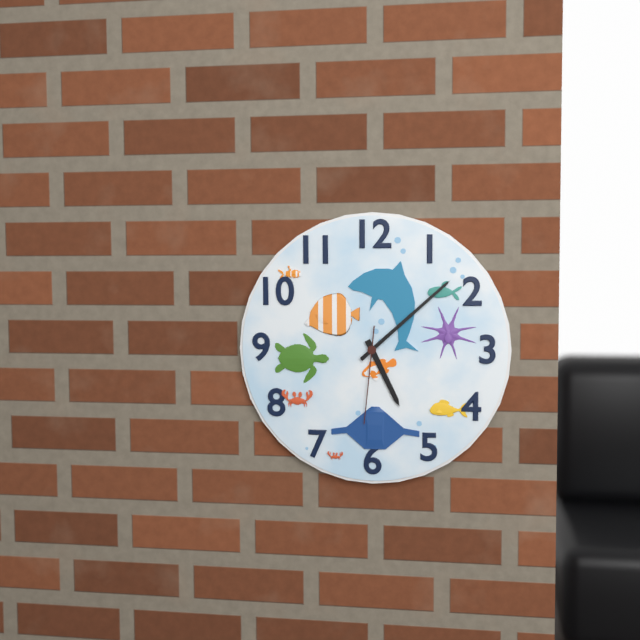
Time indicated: 5:08:31
